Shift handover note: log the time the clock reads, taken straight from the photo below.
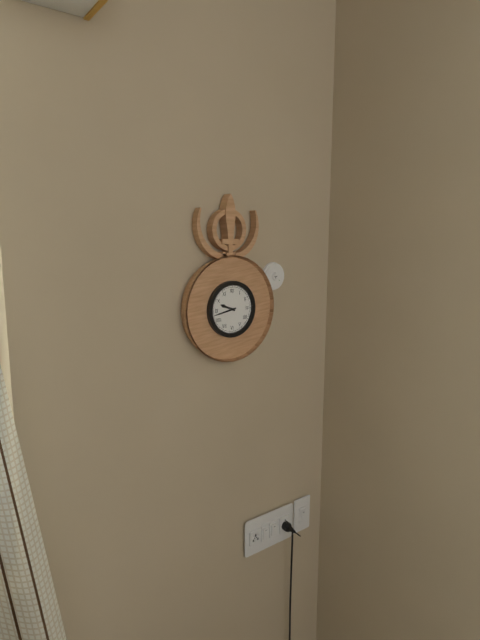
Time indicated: 9:43
